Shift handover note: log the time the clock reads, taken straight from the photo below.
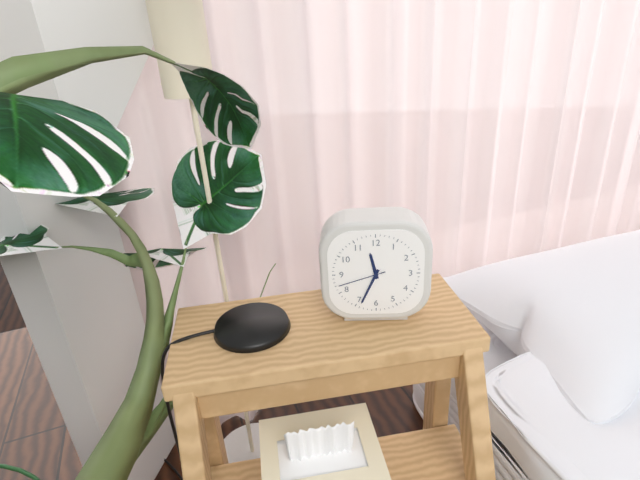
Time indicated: 11:34
